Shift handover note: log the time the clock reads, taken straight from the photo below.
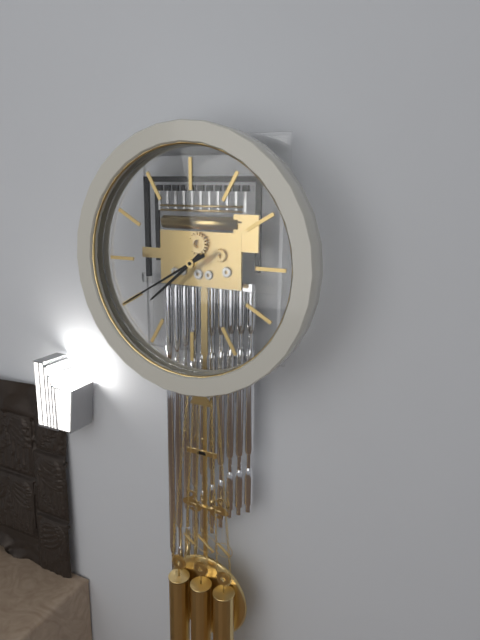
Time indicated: 7:40
